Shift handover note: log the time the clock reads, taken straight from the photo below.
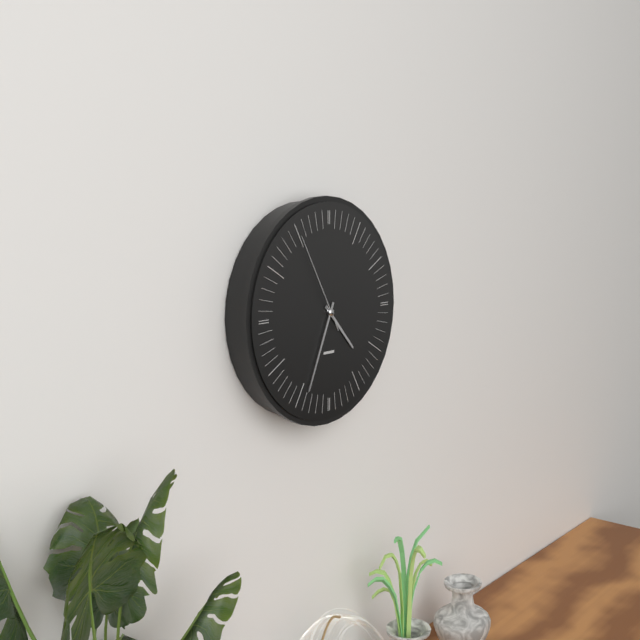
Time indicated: 4:34:55
